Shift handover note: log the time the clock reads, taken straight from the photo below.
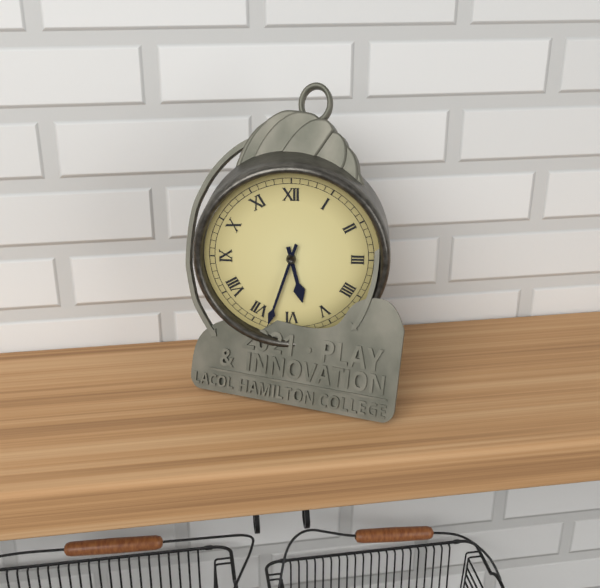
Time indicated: 5:33
